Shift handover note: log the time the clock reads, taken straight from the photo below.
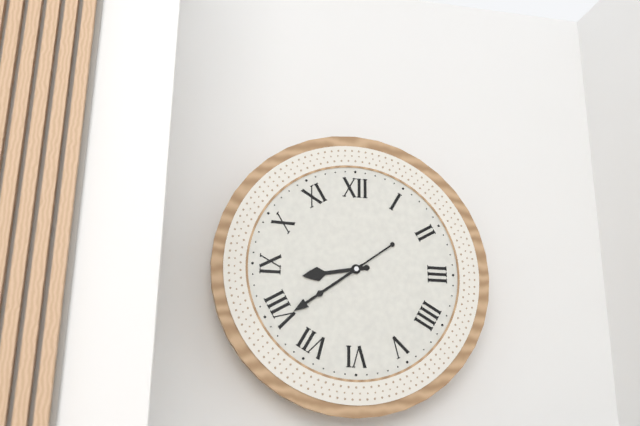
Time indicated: 8:39
